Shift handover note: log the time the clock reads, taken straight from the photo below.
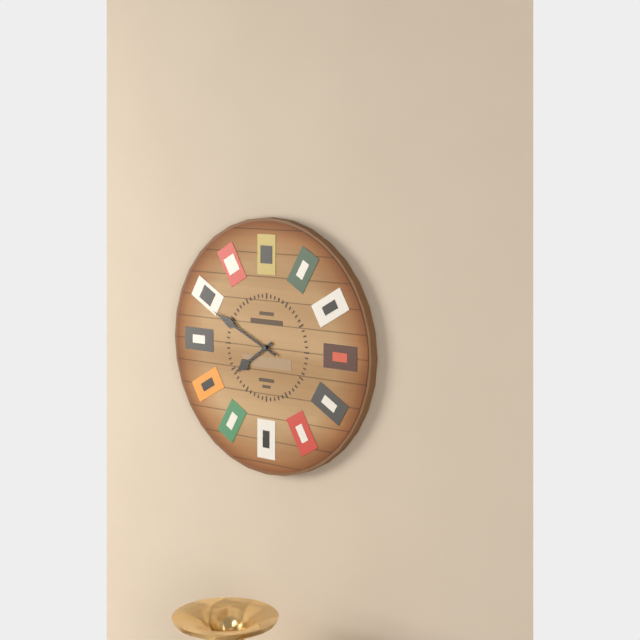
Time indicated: 7:49
